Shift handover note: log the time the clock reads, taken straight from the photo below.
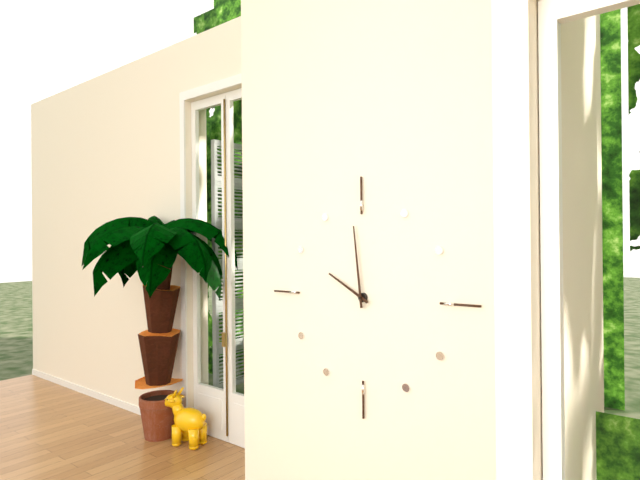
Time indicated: 9:59
